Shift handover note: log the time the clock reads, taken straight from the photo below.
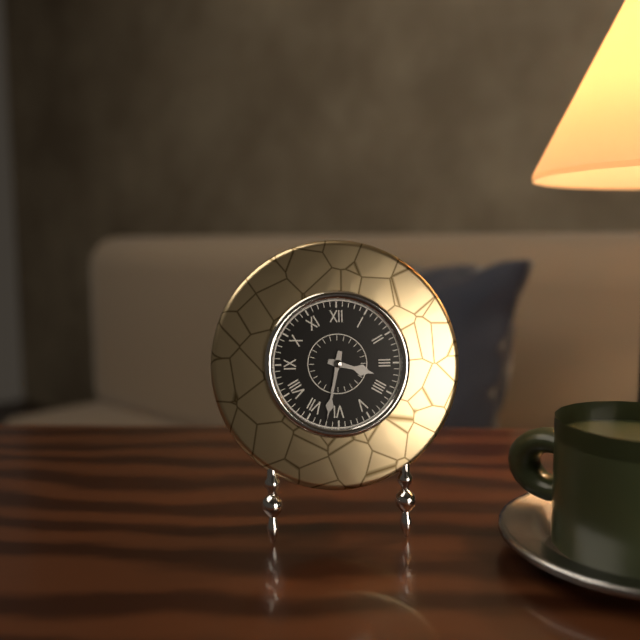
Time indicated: 3:32
